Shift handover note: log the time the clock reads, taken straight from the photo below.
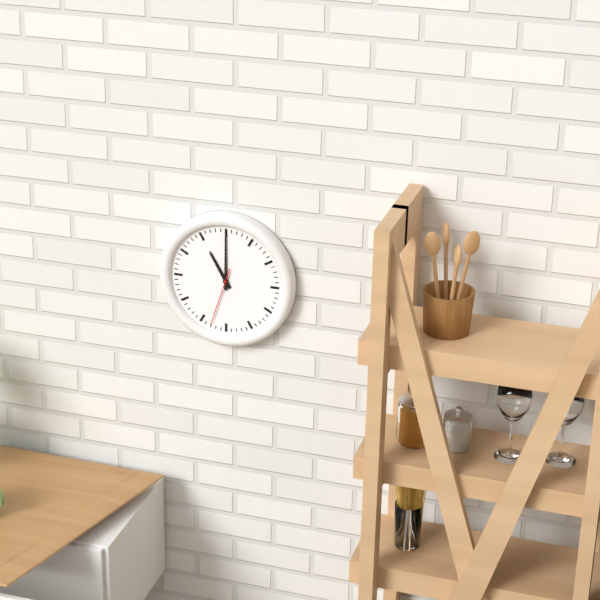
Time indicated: 11:00:33
